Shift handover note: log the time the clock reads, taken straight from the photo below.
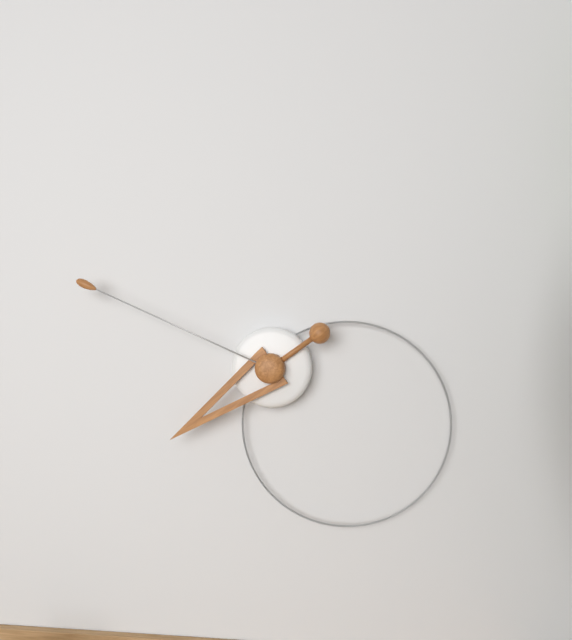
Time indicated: 7:49
